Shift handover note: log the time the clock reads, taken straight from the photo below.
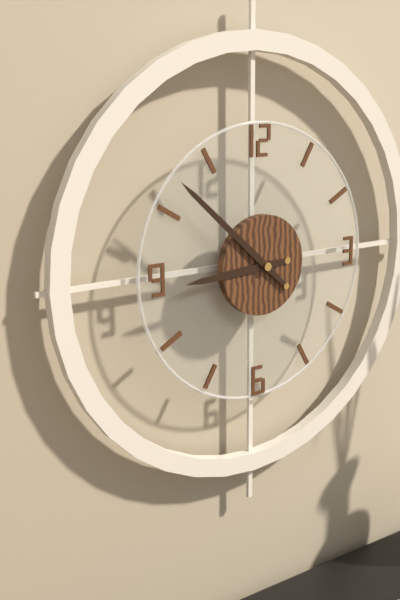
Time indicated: 8:52
